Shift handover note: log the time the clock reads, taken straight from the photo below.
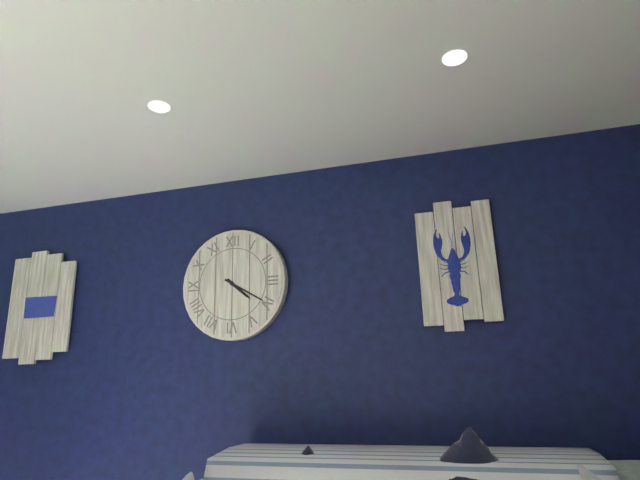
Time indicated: 4:20
